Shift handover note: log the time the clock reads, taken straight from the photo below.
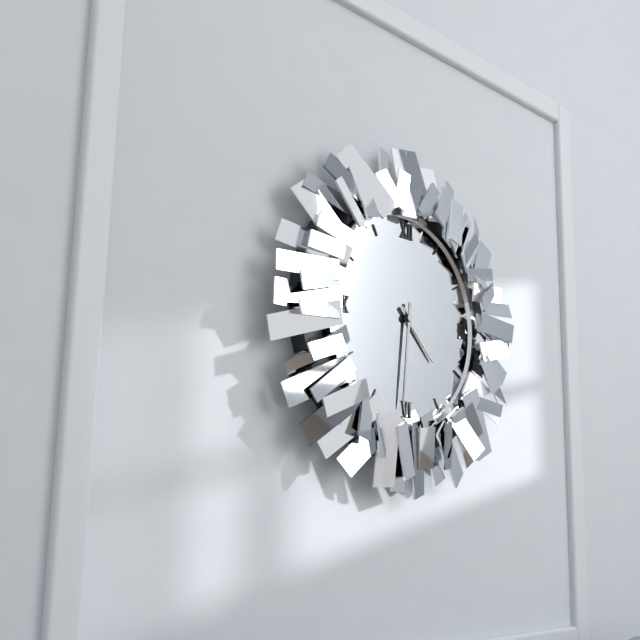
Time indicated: 4:31
